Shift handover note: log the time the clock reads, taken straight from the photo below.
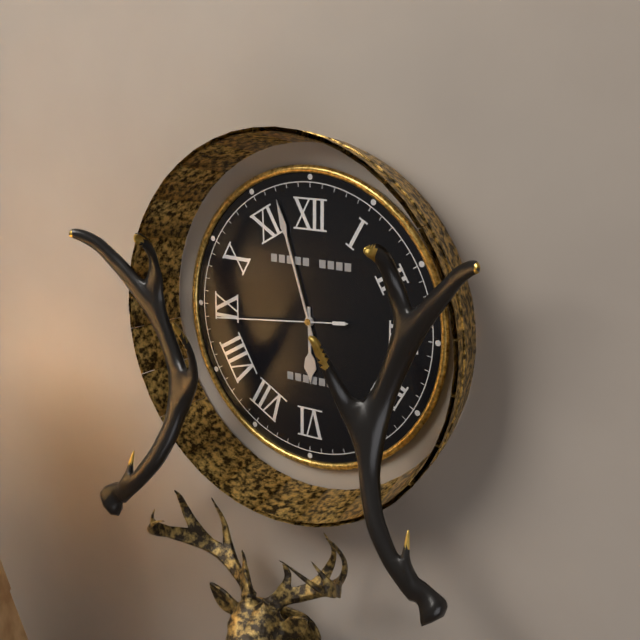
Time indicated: 5:57:44
